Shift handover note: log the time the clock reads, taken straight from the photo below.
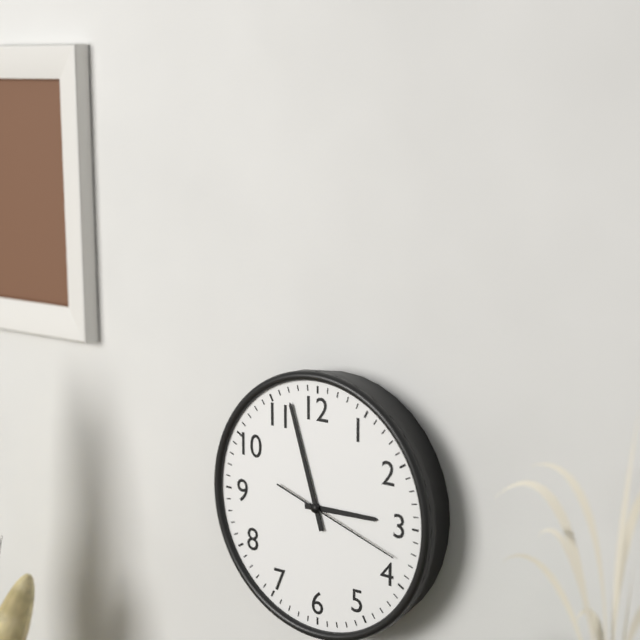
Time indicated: 2:57:18
